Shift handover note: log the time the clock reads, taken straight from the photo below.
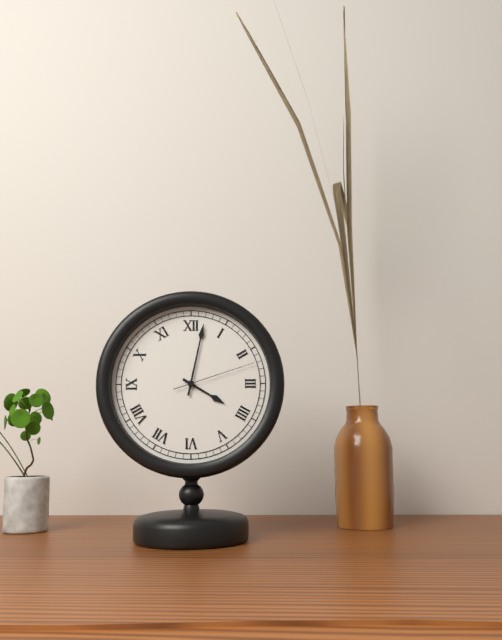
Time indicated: 4:02:12
